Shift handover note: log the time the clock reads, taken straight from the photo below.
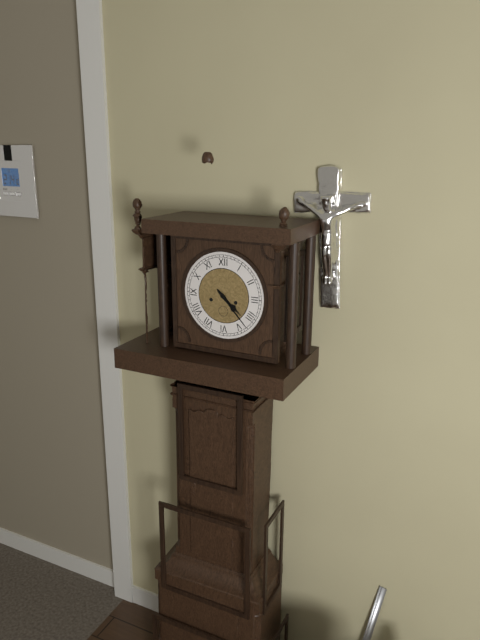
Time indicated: 4:23
